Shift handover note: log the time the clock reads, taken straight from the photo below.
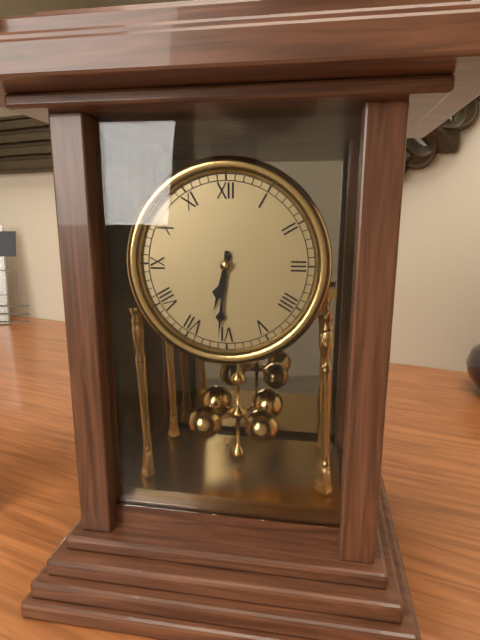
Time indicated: 6:31
